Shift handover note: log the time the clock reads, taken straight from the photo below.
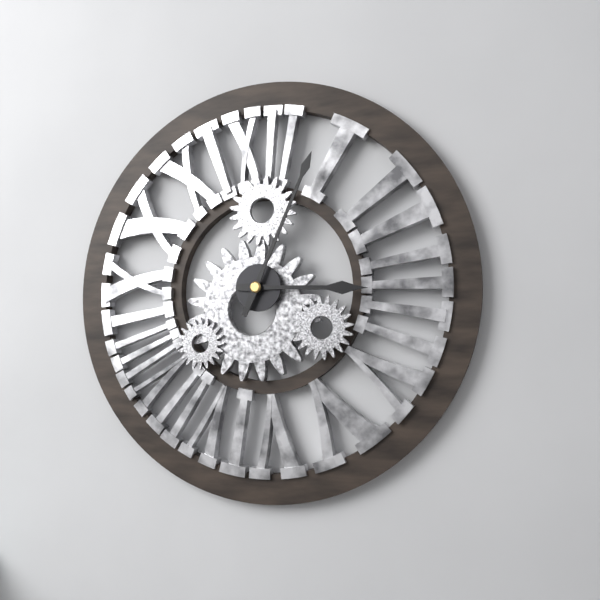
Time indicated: 3:04
